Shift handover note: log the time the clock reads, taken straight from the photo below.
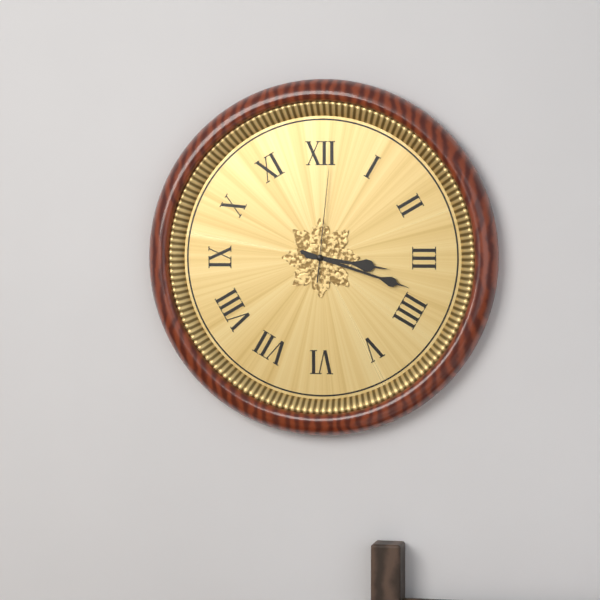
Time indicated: 3:18:01
